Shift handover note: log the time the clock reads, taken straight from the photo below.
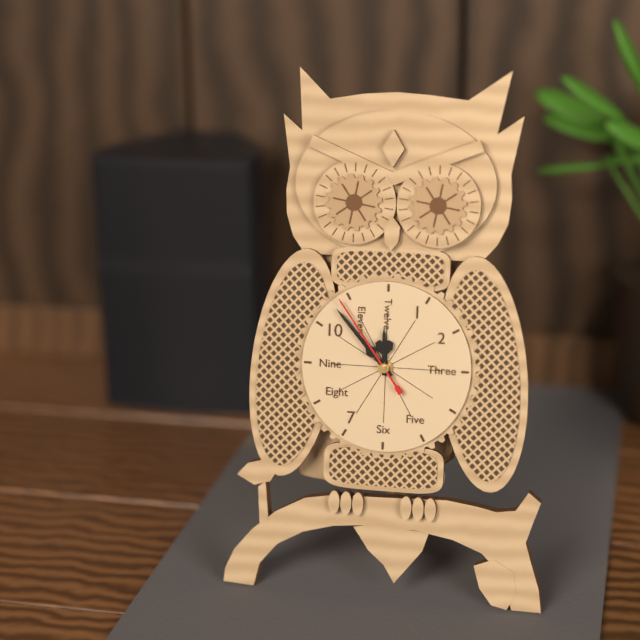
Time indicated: 11:53:54
